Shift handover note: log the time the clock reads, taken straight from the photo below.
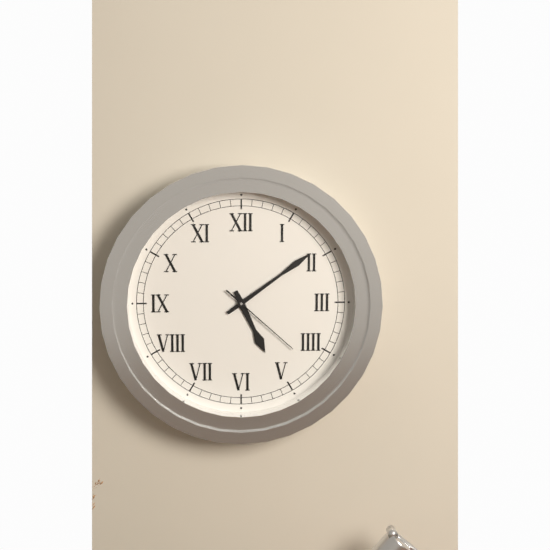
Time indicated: 5:09:22
